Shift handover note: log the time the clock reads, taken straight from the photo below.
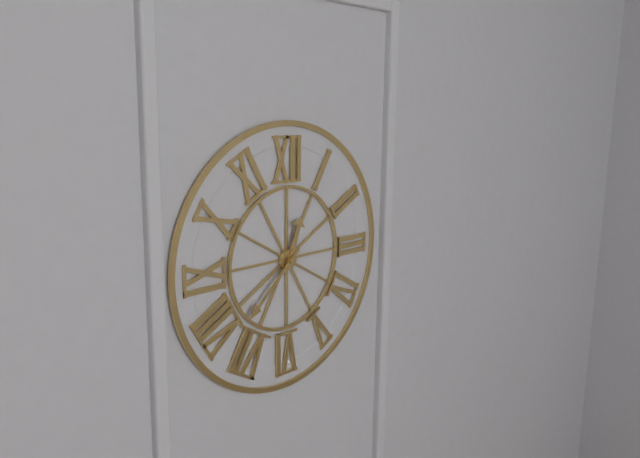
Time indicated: 12:38
